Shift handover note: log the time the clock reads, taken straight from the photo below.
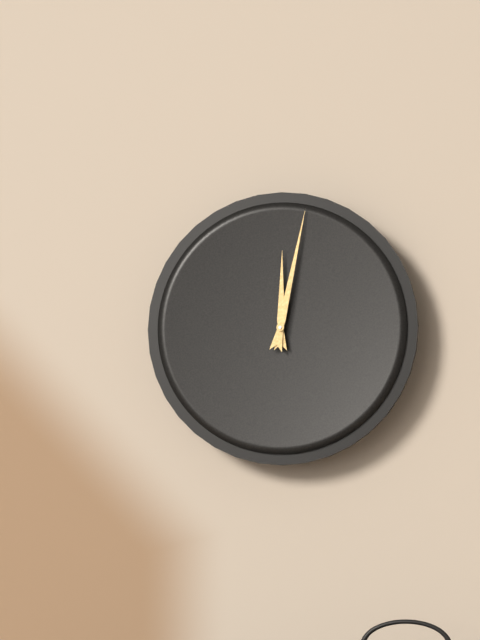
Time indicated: 12:02
